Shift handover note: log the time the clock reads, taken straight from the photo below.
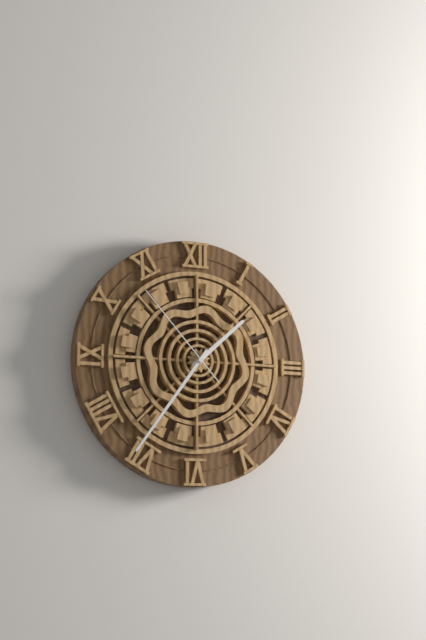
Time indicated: 1:36:53
